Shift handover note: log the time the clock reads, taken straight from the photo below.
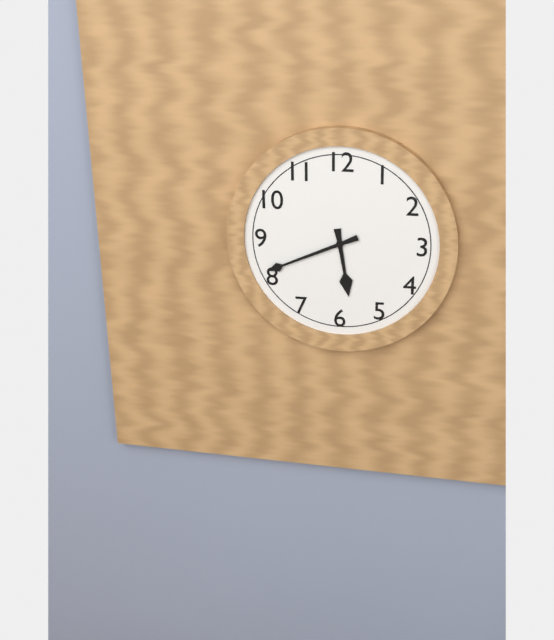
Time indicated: 5:41
